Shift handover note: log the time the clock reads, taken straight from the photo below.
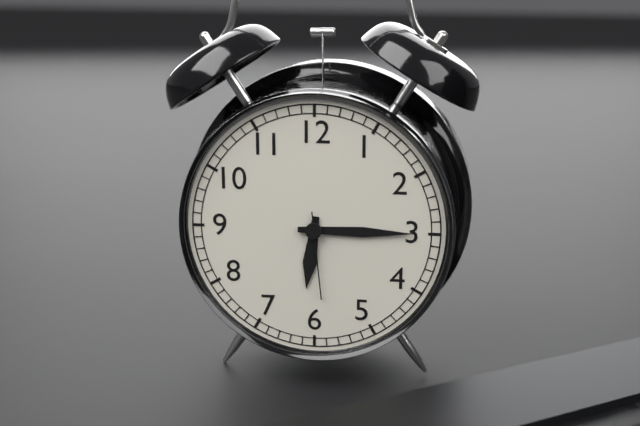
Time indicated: 6:15:29
